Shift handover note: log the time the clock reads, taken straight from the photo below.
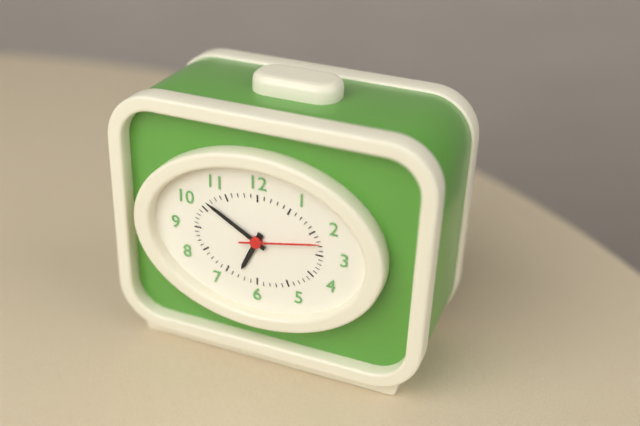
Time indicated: 6:50:13
